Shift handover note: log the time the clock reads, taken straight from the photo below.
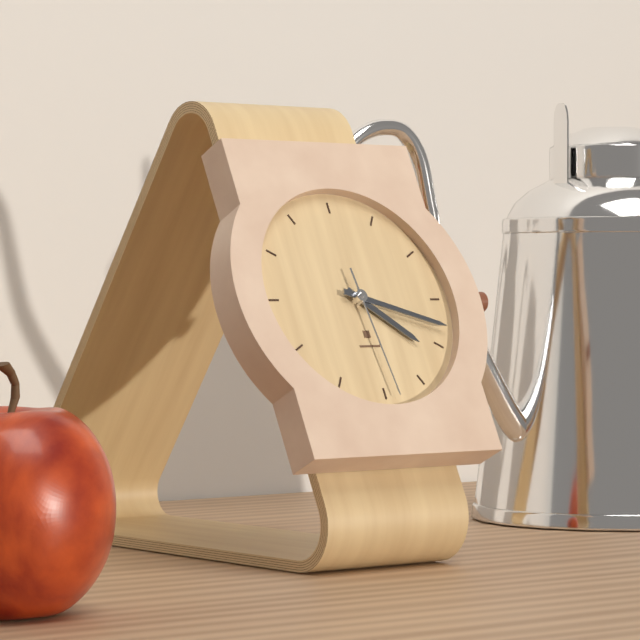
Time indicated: 4:18:29
